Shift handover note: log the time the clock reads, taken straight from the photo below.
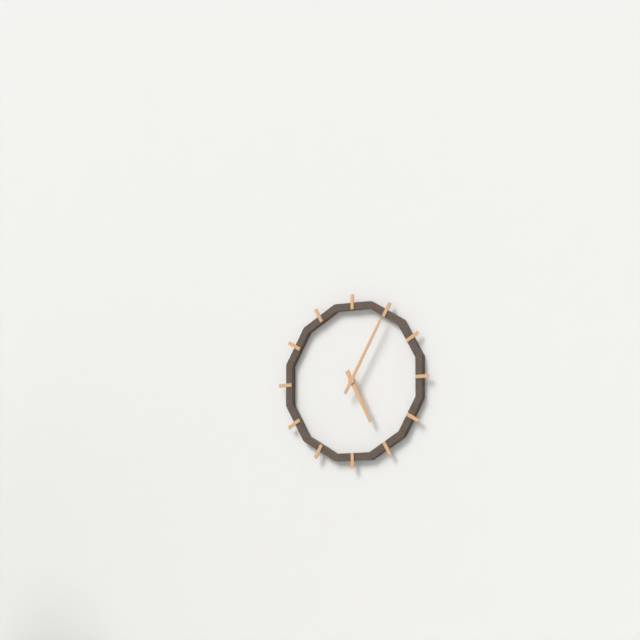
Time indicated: 5:05
